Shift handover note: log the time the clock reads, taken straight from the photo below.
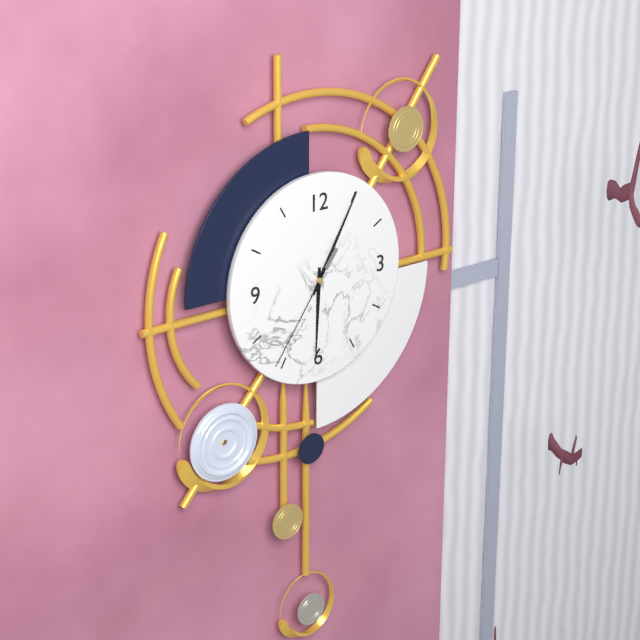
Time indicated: 6:05:36
